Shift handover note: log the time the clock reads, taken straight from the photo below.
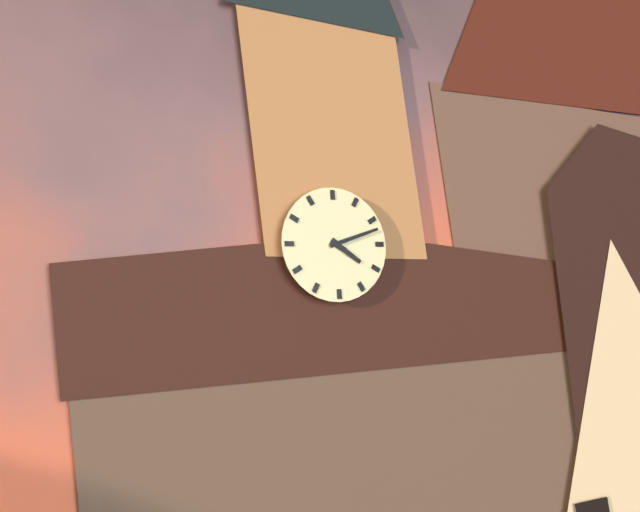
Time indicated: 4:12
